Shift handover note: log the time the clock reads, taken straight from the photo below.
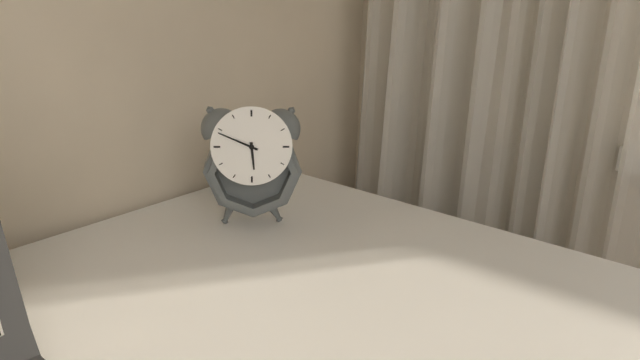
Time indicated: 5:49
